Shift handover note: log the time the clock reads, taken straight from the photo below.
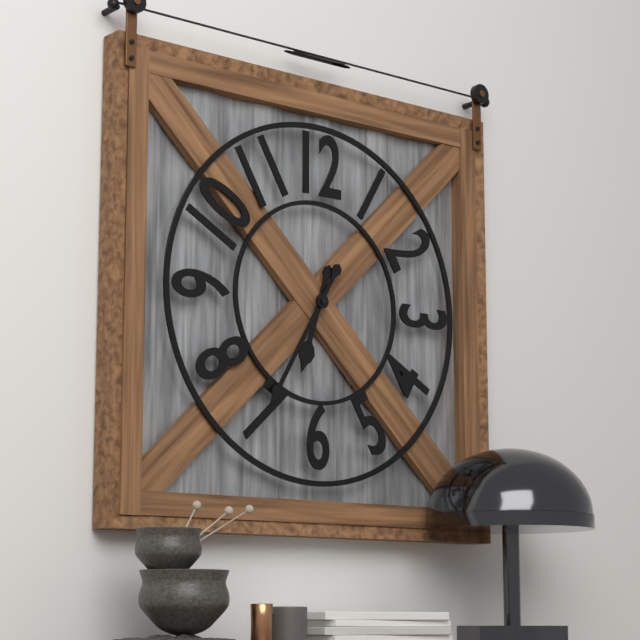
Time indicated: 6:35
